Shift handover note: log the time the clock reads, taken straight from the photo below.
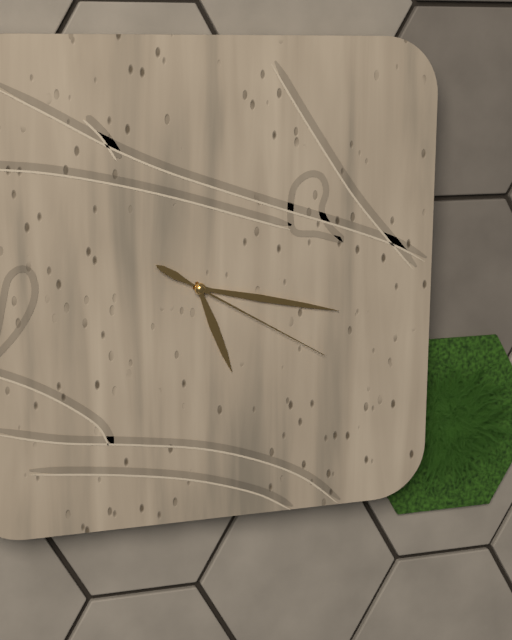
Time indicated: 5:17:20
